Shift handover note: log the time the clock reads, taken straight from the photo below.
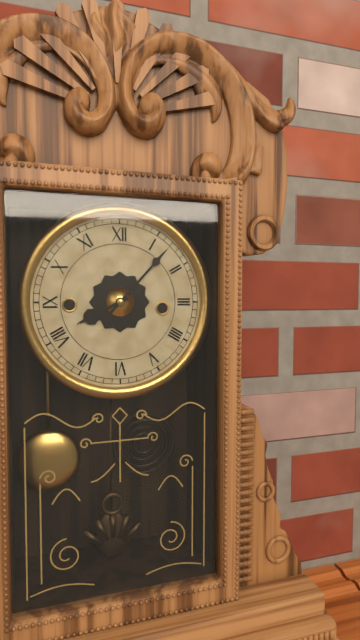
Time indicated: 8:07
